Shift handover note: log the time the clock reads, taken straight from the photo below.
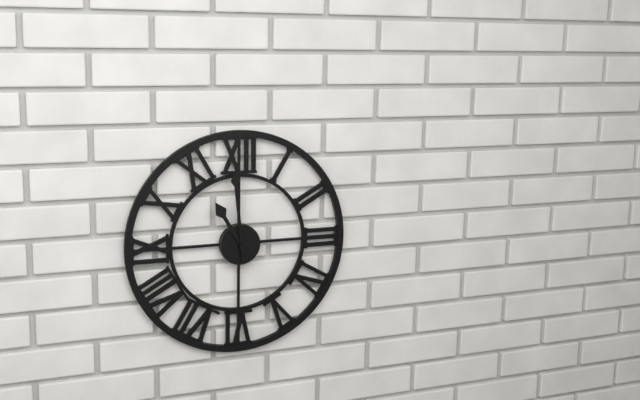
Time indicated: 10:59
